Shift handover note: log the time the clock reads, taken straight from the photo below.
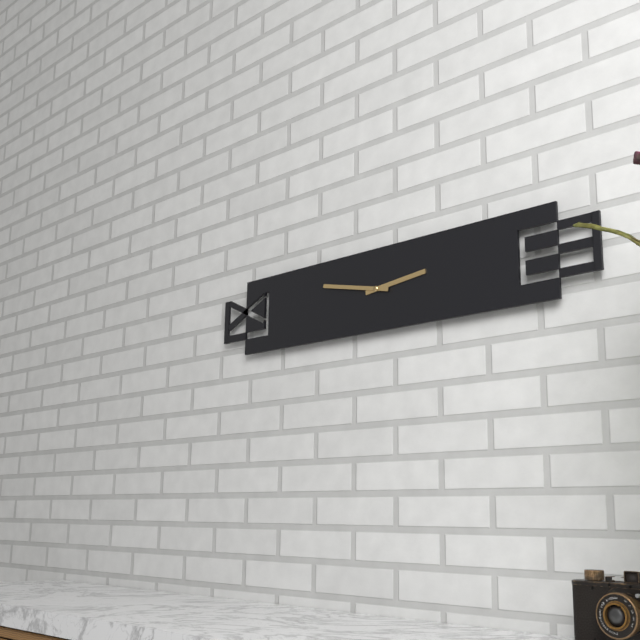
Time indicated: 2:47
